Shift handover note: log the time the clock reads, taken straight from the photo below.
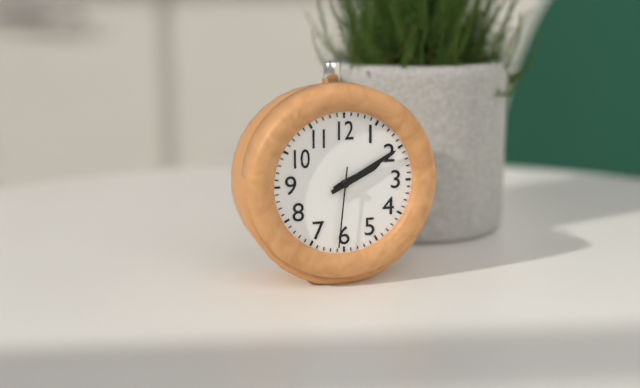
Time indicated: 2:10:31
